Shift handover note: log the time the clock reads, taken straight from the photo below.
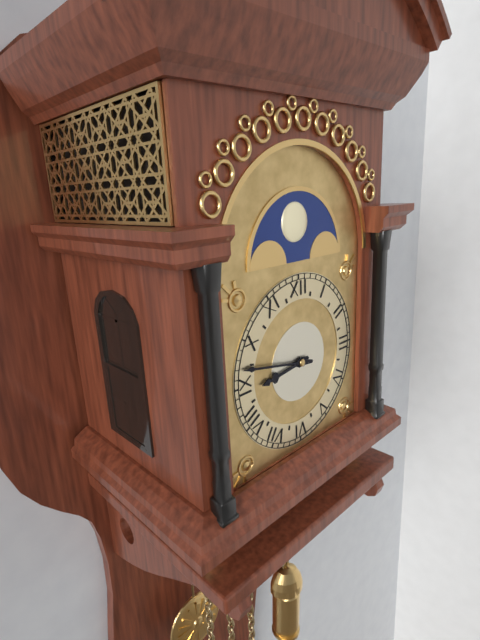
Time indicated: 8:47
